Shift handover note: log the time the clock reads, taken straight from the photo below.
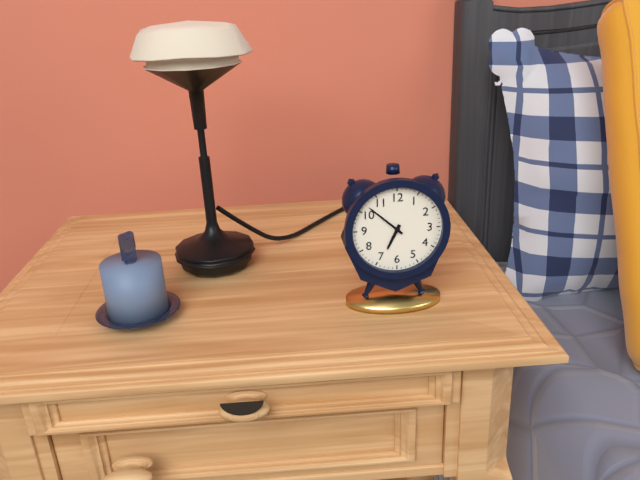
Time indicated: 6:52
